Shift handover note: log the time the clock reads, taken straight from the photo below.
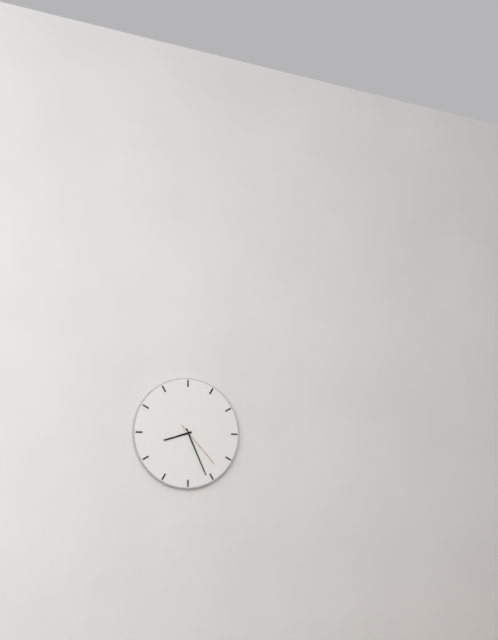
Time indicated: 8:26:23
